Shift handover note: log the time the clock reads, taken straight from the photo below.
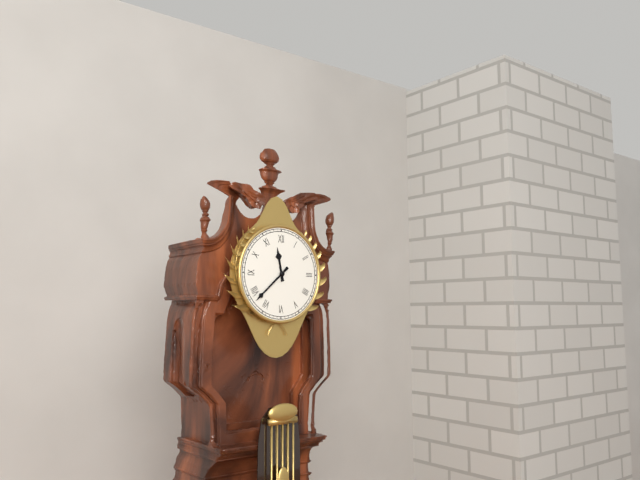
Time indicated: 11:38
